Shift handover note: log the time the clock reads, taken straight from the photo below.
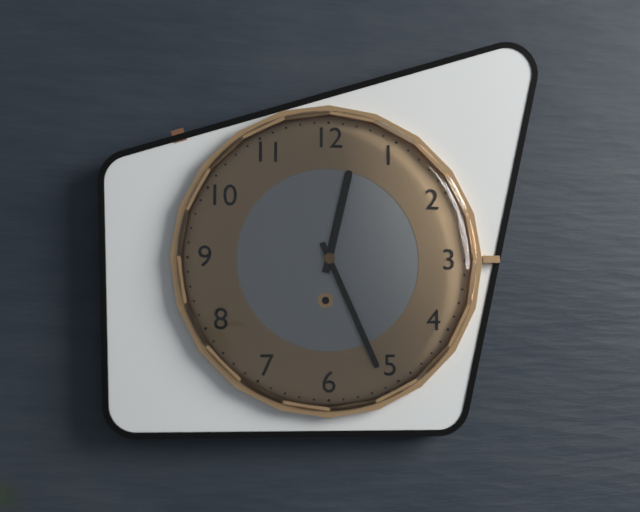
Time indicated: 12:26
